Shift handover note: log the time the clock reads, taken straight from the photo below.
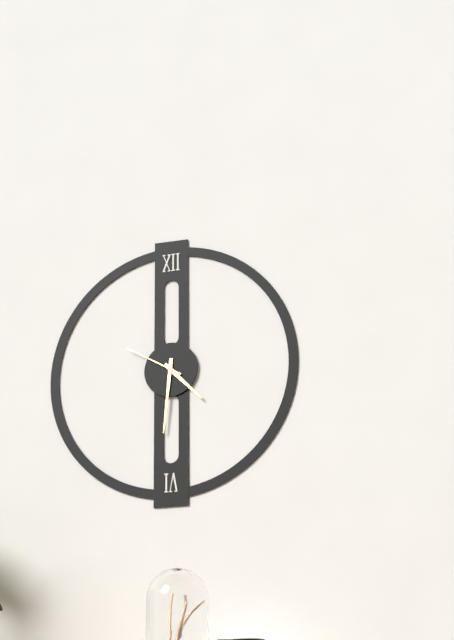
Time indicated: 4:31:50
